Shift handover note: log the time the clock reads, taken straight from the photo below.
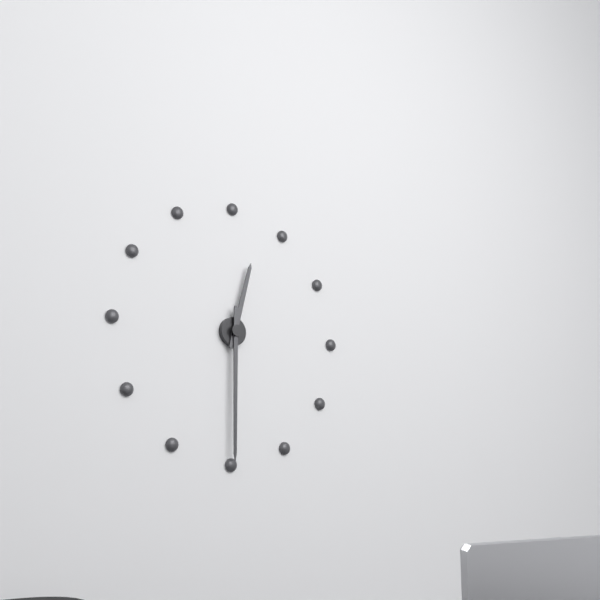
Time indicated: 12:30
